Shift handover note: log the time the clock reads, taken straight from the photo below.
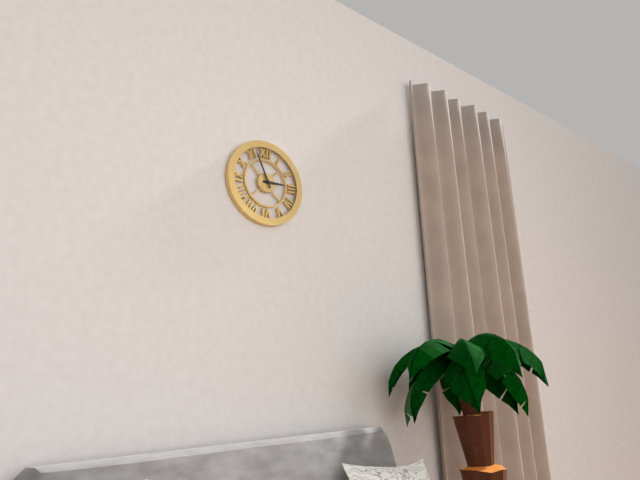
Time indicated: 2:56
